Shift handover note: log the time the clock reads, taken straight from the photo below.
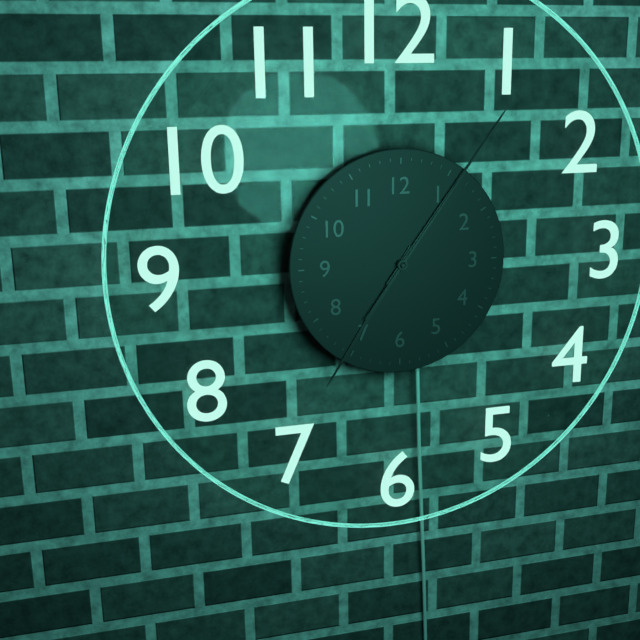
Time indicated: 7:06:06
